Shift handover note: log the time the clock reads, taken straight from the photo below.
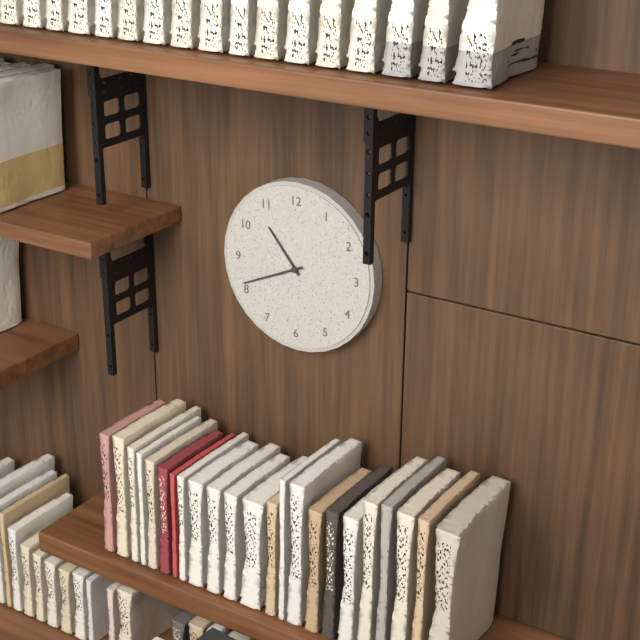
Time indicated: 10:41
